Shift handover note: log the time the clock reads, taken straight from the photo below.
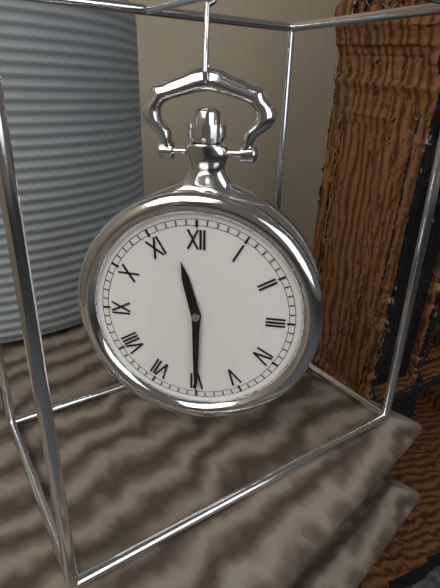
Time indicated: 11:30
